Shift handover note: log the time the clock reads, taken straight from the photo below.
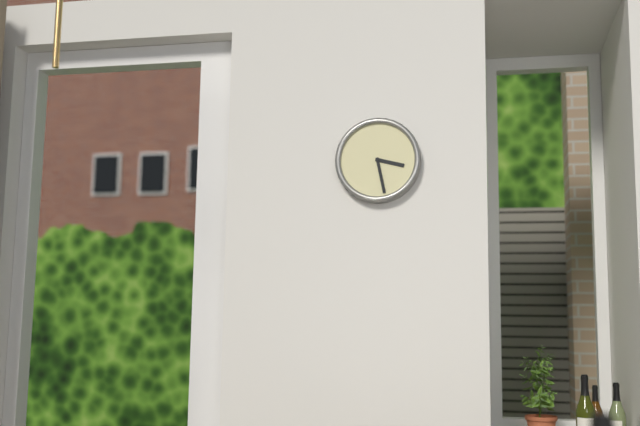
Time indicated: 3:28
